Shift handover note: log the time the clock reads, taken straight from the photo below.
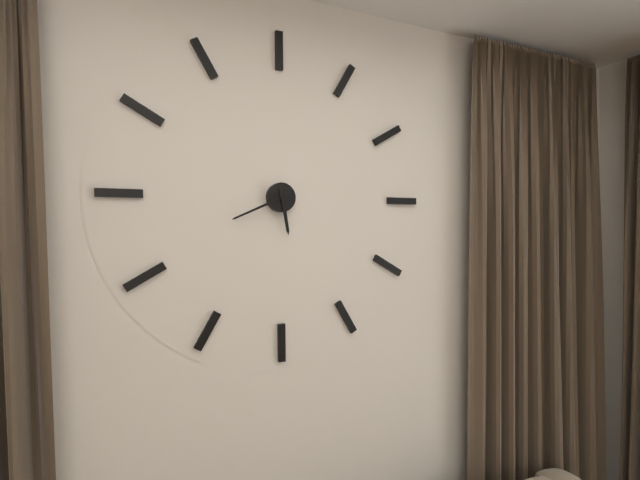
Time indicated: 5:41
